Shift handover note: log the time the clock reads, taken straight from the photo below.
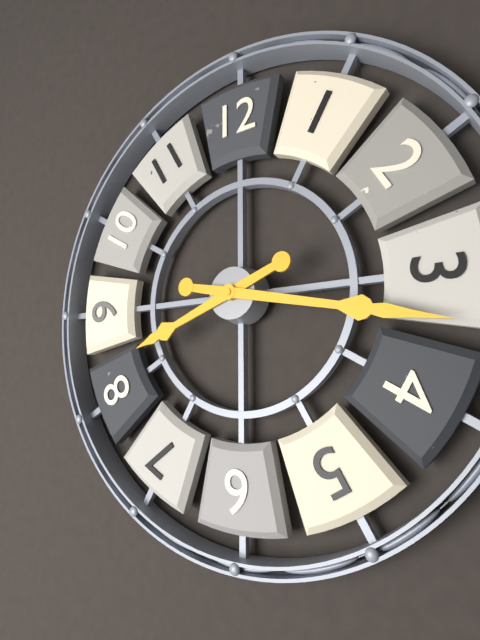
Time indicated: 8:17
